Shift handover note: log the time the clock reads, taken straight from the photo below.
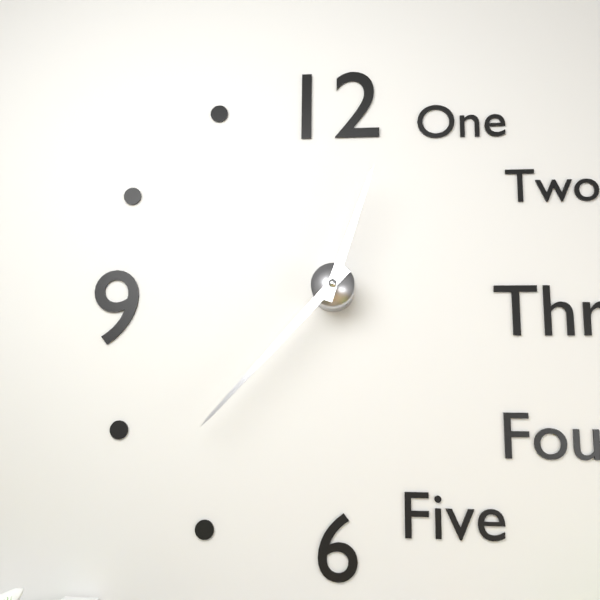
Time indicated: 12:37
